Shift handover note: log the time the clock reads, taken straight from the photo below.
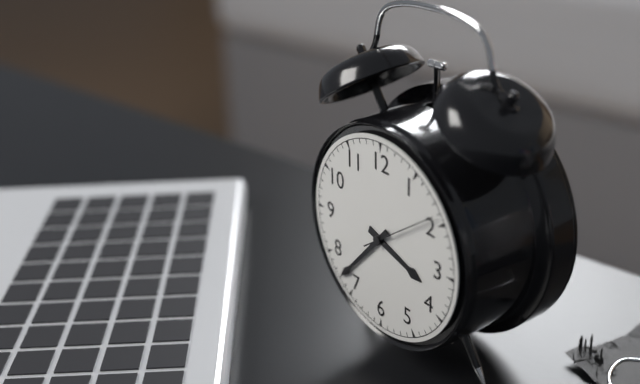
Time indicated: 3:37:09
